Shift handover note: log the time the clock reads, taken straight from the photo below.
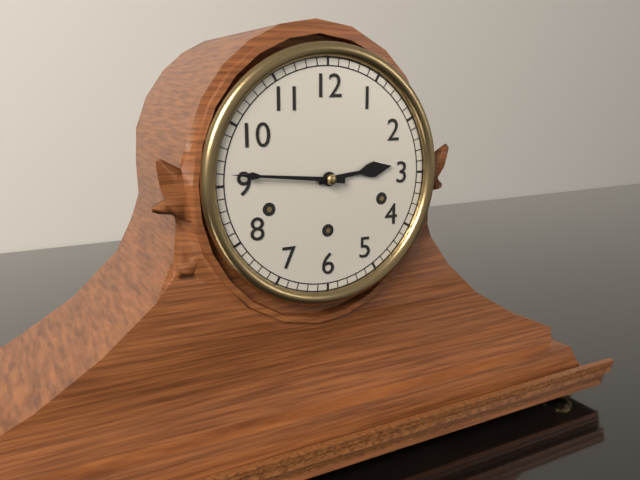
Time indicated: 2:46
